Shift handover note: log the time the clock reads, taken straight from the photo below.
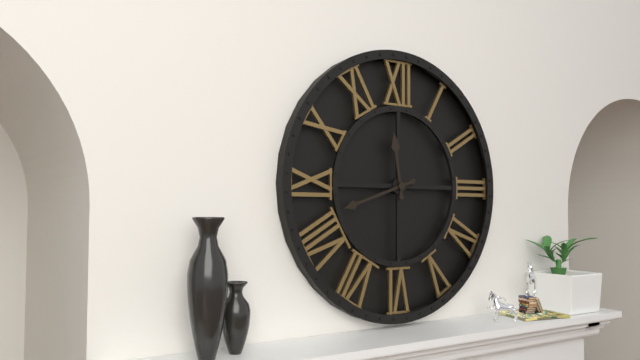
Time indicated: 11:42
